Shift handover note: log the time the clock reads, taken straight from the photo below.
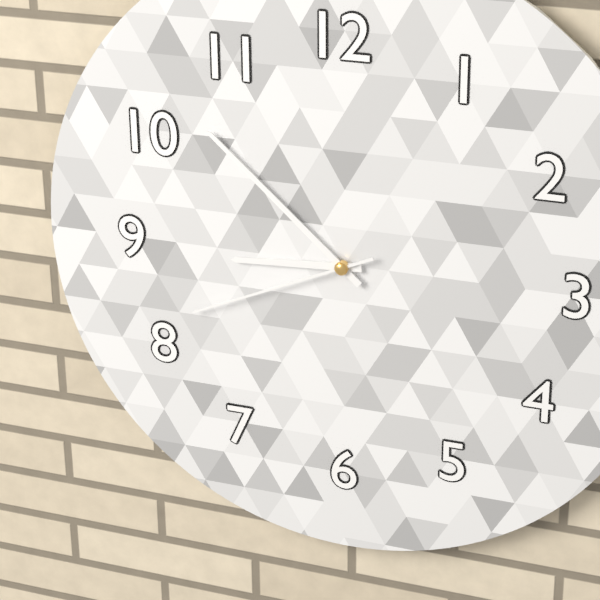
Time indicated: 8:52:41
